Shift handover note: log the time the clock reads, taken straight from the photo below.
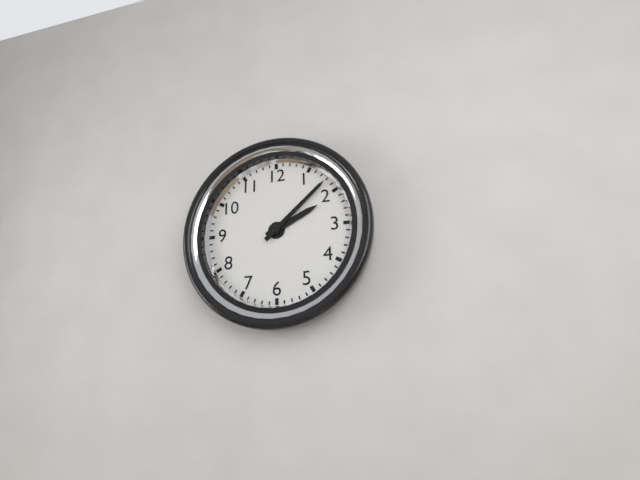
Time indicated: 2:08
